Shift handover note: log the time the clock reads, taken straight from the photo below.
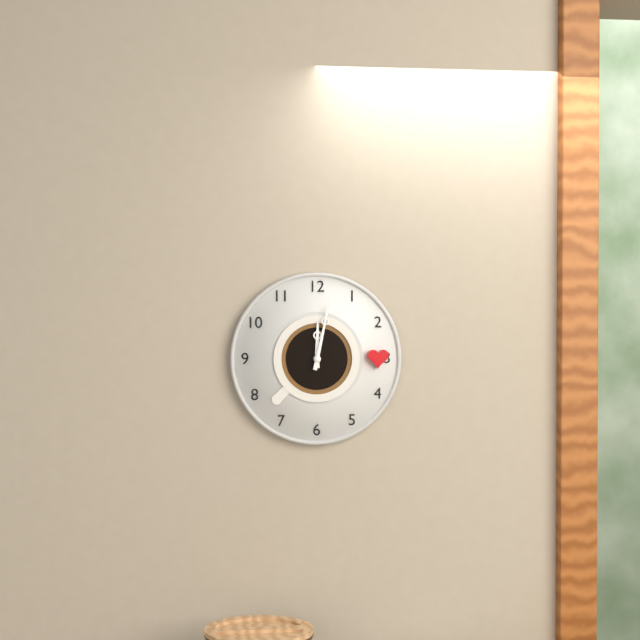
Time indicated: 12:02
